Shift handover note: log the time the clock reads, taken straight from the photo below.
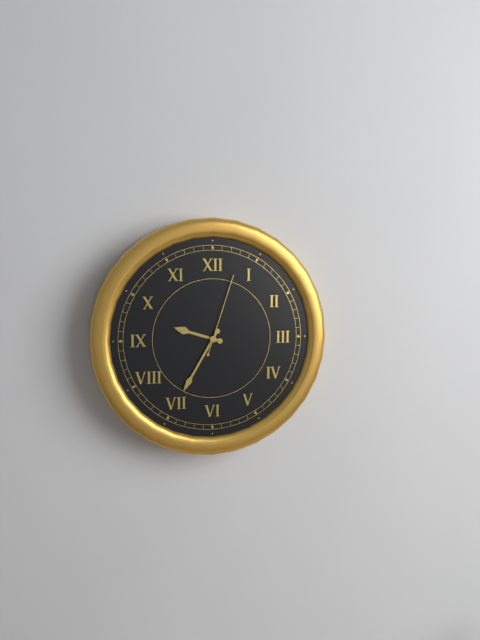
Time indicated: 9:35:03
